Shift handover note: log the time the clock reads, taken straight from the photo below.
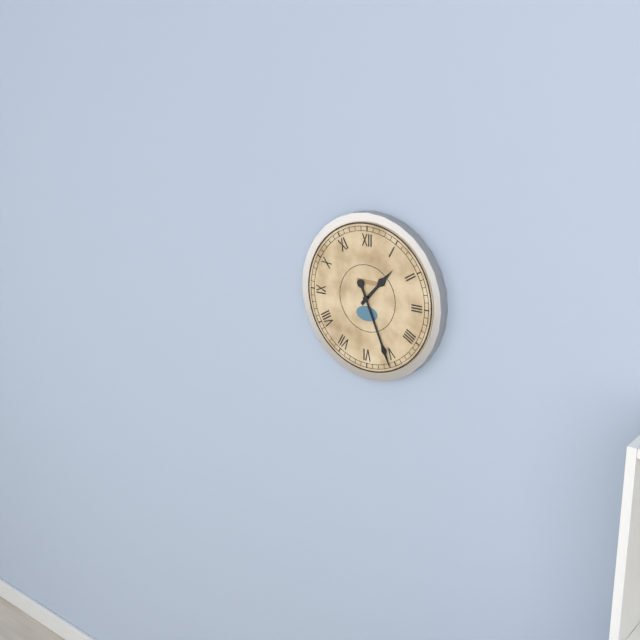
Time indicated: 1:26
